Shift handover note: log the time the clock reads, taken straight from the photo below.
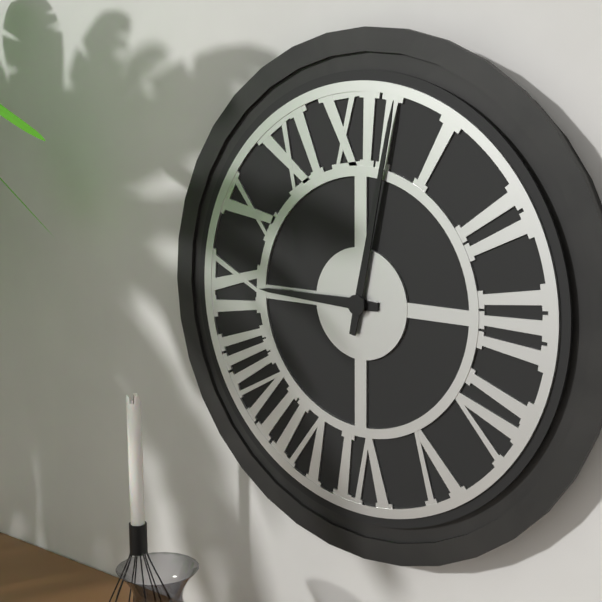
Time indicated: 9:02
